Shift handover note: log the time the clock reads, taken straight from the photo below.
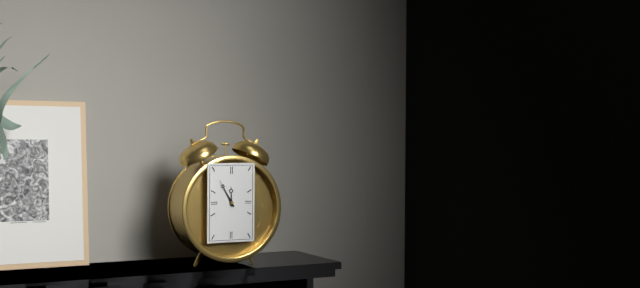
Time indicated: 11:55
